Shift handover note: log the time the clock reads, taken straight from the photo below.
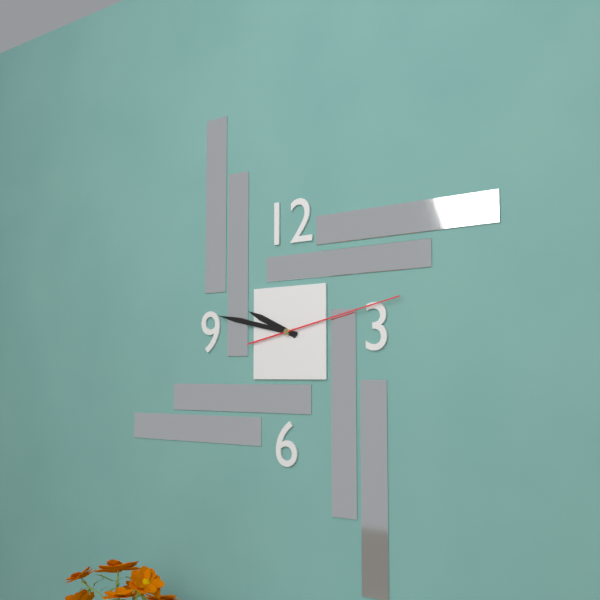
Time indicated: 9:47:13
